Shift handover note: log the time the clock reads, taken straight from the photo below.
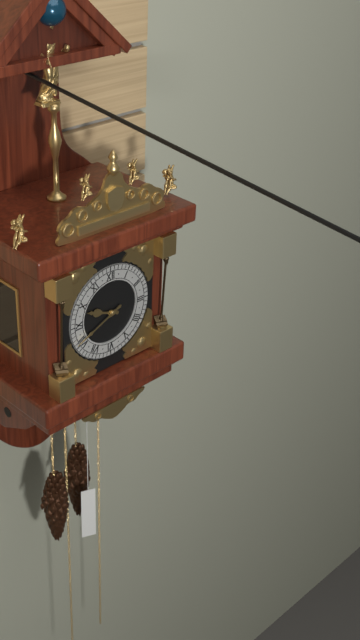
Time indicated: 9:41
